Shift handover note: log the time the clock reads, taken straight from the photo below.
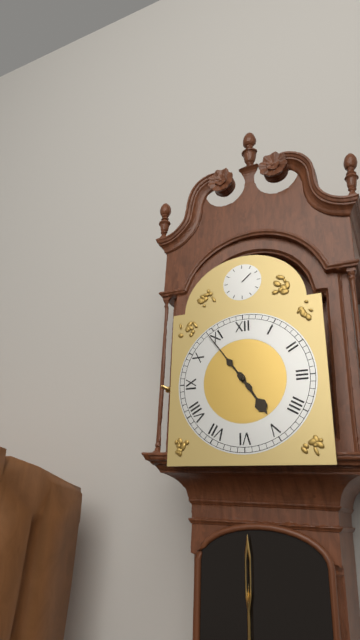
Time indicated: 4:54
